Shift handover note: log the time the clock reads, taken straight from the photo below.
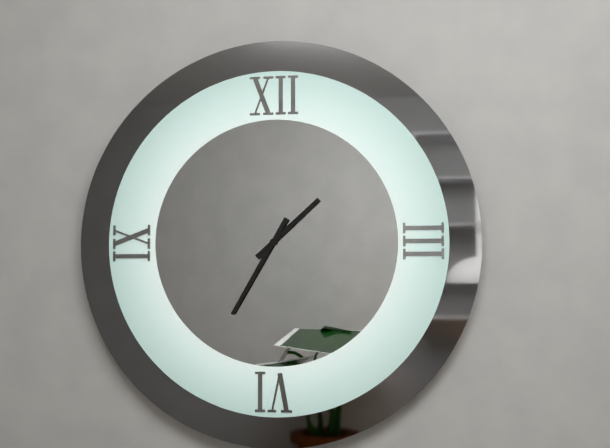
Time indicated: 1:35
